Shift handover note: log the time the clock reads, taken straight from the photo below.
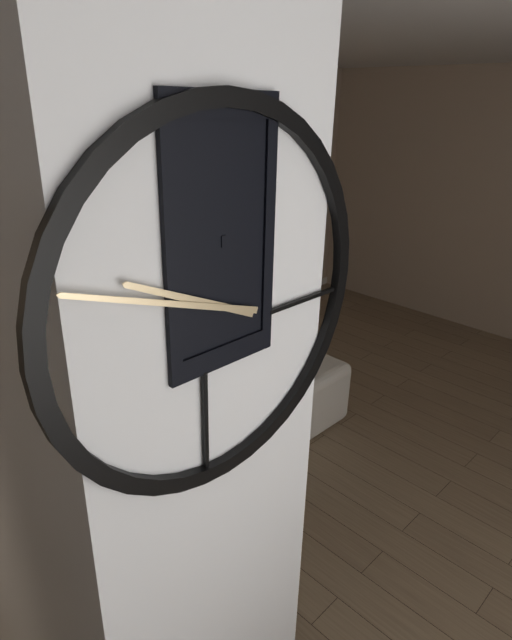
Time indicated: 9:48
